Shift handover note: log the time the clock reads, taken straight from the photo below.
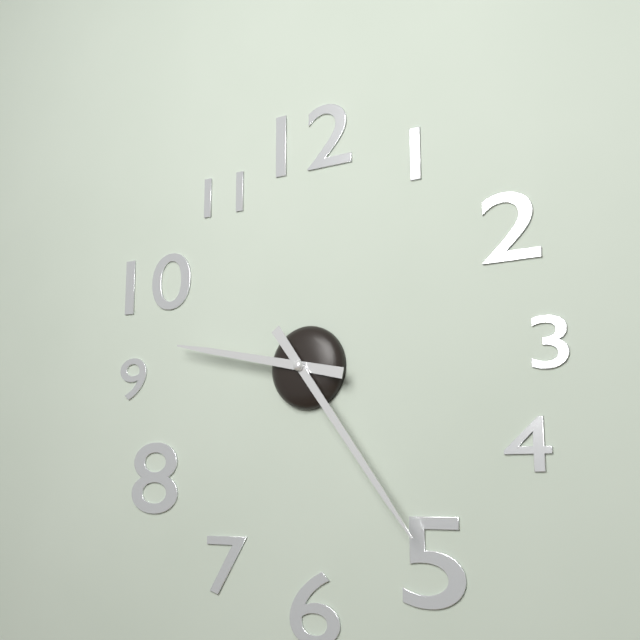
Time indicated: 9:24
